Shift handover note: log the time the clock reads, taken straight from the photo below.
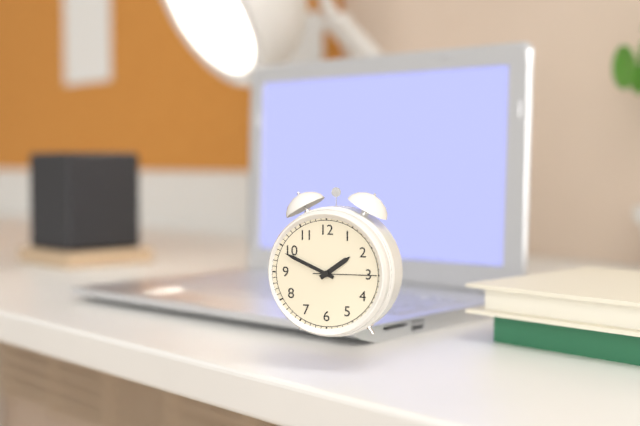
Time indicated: 1:49:15
